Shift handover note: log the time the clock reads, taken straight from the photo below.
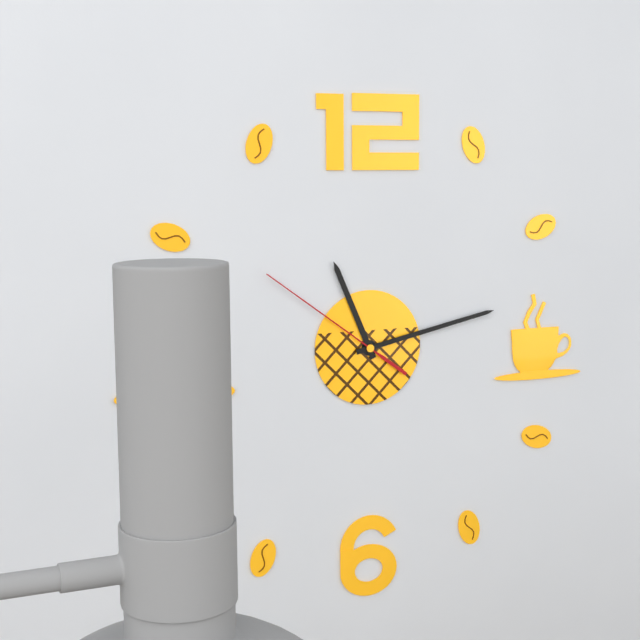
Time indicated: 11:13:51
